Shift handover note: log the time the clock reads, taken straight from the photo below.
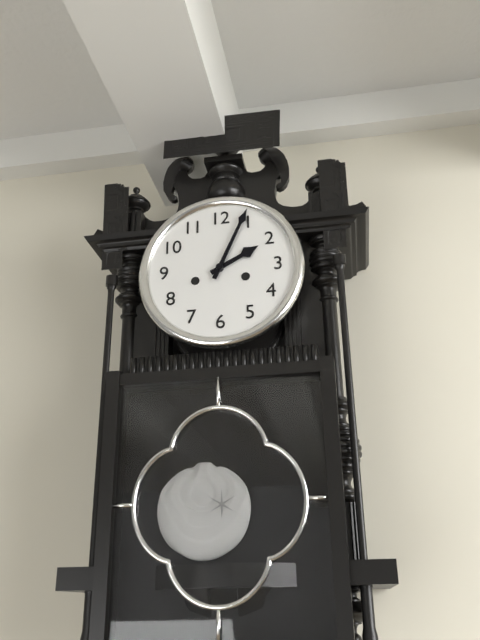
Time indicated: 2:04
